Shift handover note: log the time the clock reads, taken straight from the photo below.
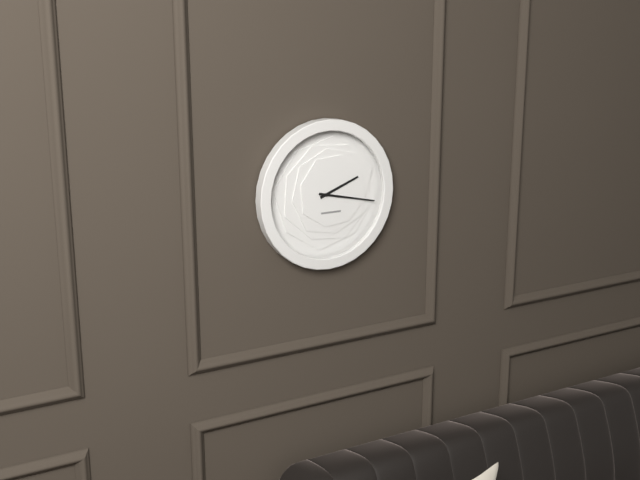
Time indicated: 2:17
